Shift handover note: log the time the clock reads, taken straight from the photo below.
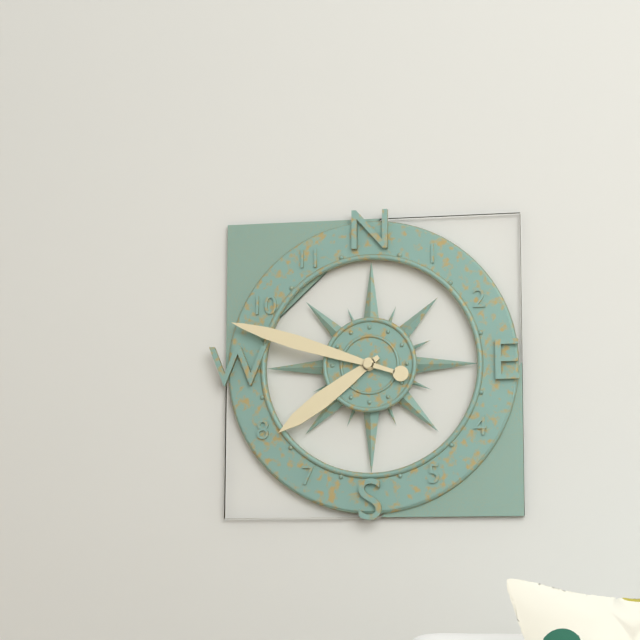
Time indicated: 7:48
